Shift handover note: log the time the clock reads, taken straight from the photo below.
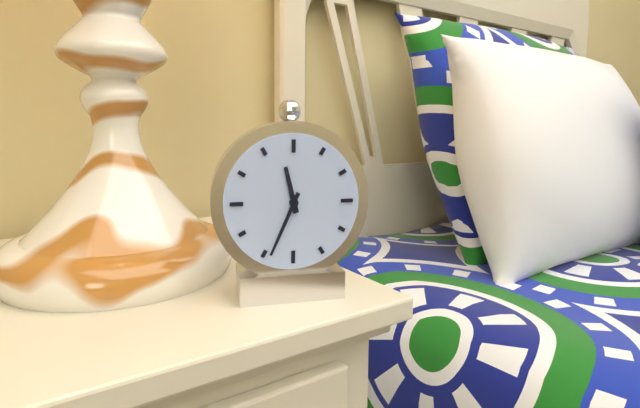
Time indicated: 11:34
